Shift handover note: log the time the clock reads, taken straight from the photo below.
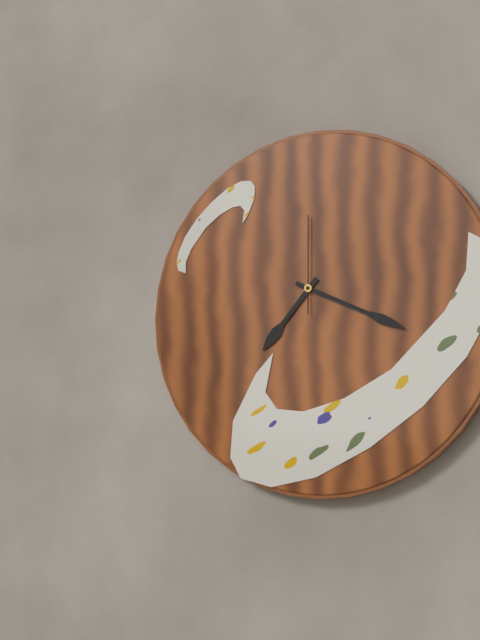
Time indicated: 7:19:00
